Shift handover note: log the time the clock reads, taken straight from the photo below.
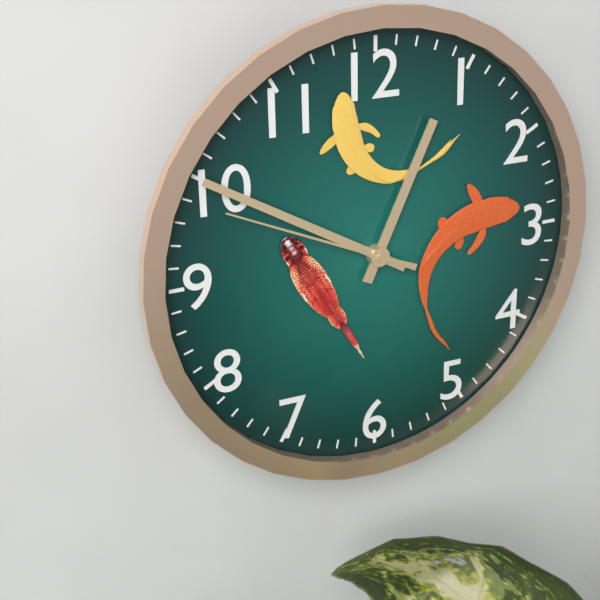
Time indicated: 12:50:49
